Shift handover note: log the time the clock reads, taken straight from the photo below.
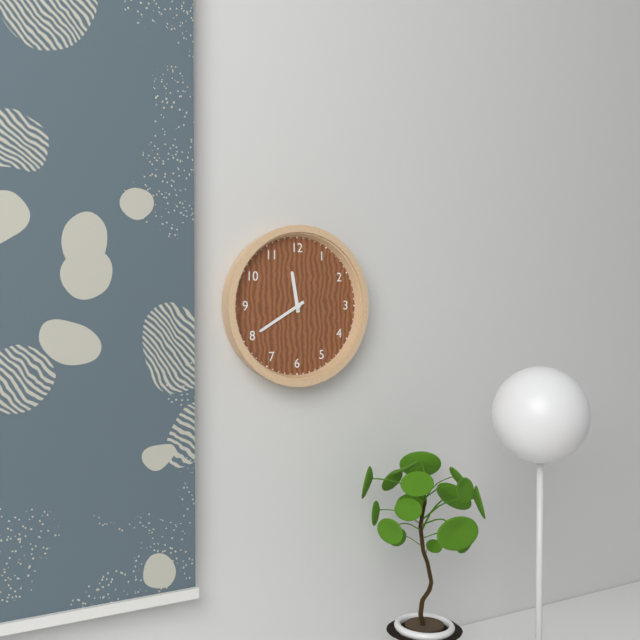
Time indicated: 11:40
